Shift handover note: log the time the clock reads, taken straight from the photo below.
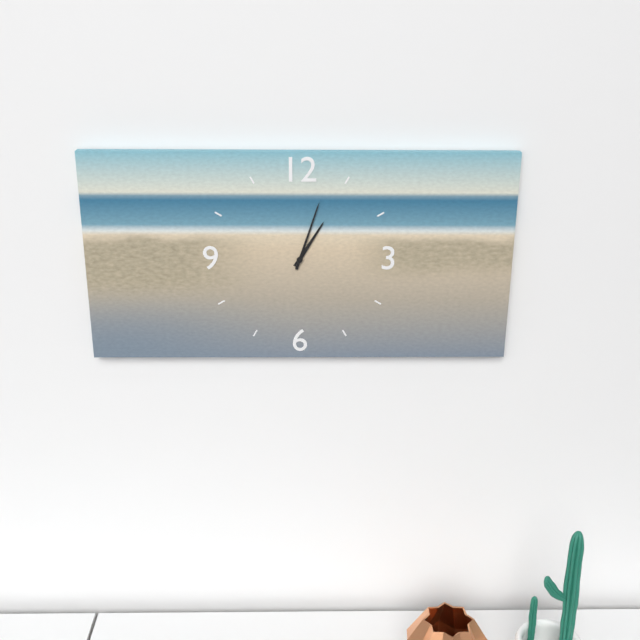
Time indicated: 1:03
